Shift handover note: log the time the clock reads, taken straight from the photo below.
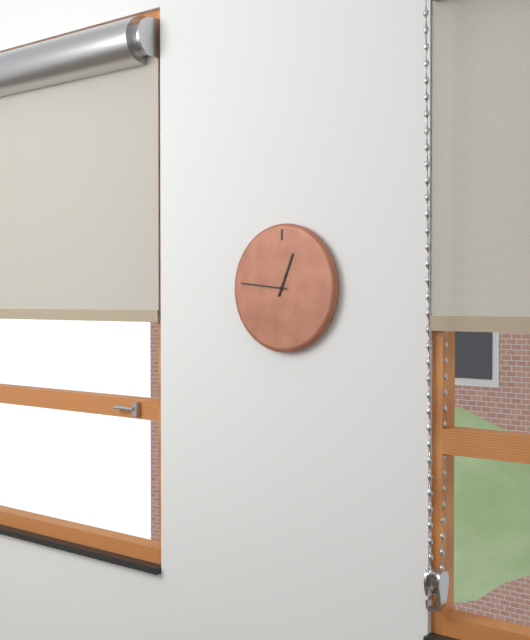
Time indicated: 12:46
